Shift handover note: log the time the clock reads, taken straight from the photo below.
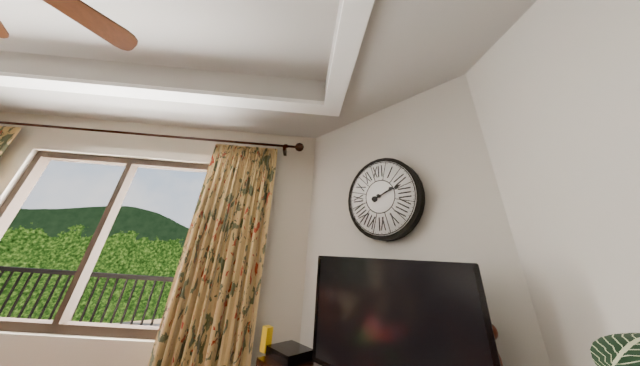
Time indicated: 2:12
